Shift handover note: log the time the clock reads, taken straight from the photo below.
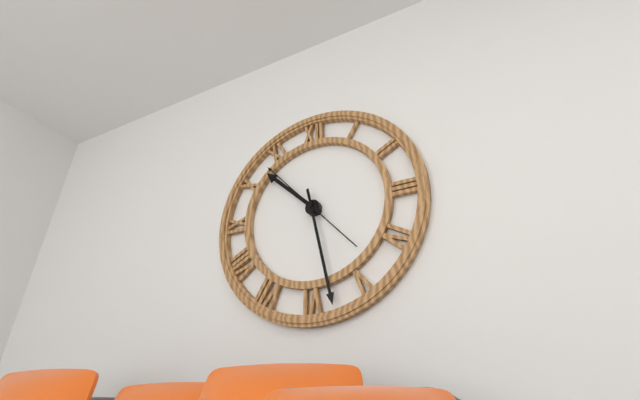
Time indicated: 10:28:53
